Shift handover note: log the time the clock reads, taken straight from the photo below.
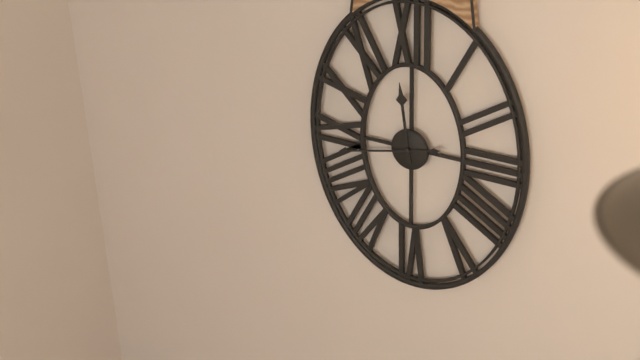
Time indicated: 11:43
